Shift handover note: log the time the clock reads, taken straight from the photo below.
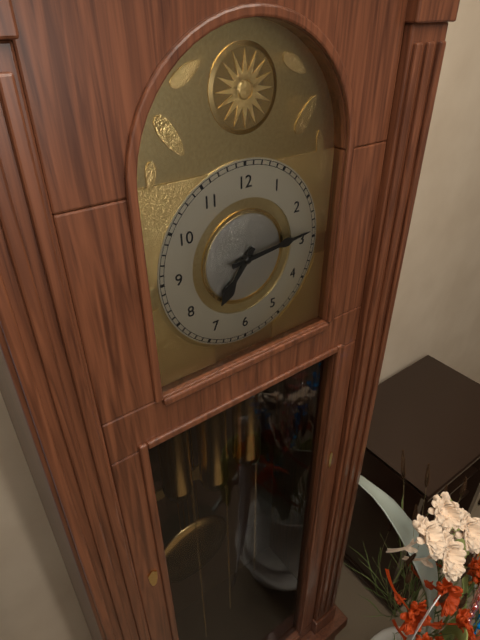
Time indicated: 7:14
